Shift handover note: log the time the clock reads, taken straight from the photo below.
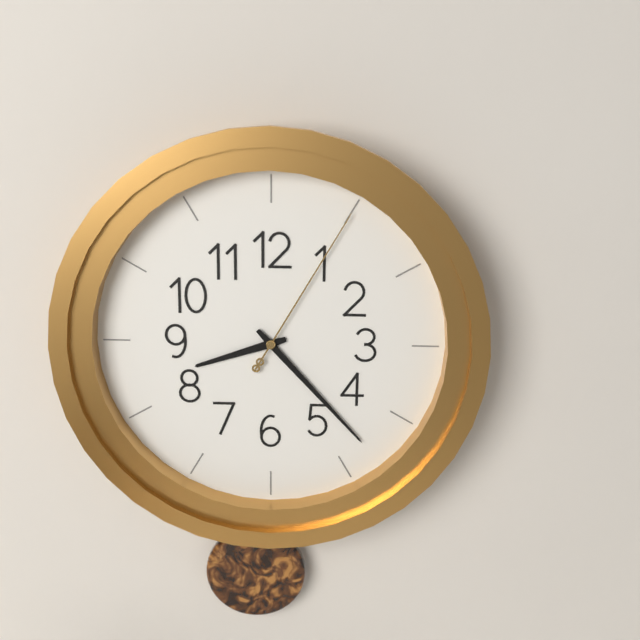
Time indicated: 8:23:05
